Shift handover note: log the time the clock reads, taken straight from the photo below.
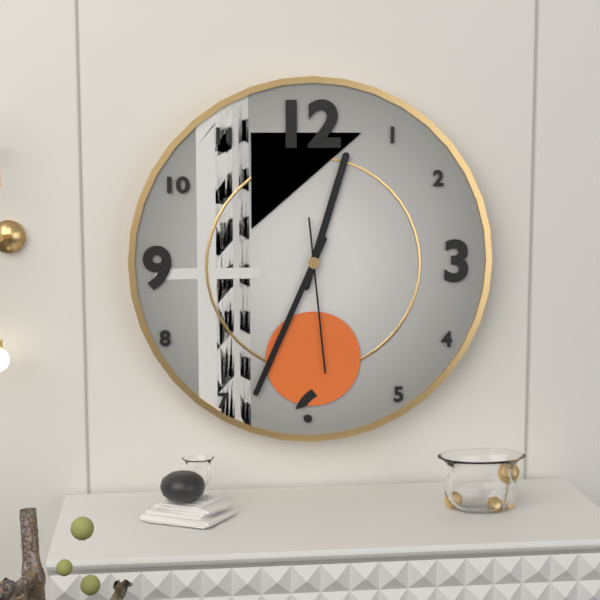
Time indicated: 12:34:29
